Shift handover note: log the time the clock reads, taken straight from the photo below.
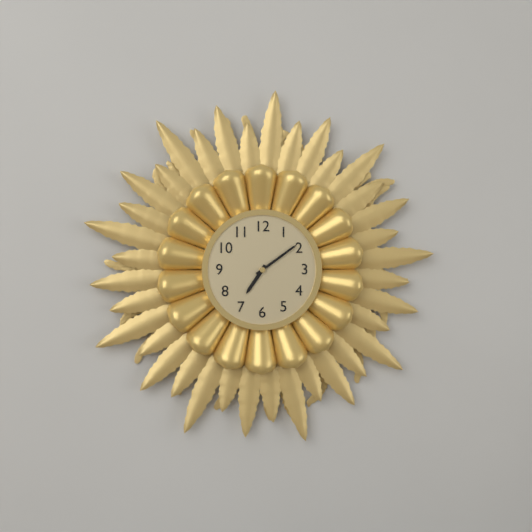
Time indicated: 7:09
